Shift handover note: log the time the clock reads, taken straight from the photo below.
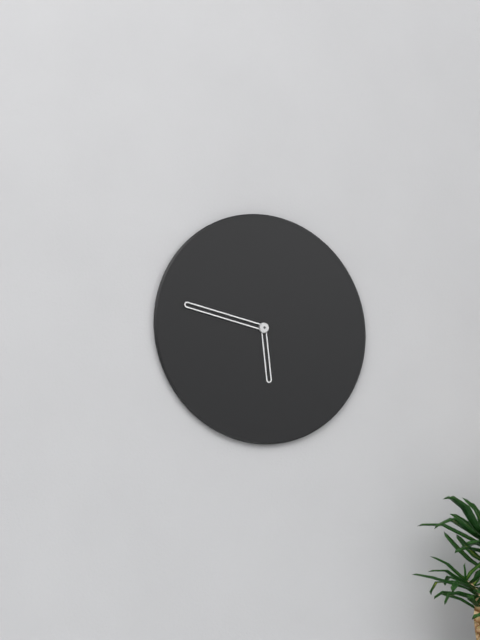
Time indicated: 5:47
